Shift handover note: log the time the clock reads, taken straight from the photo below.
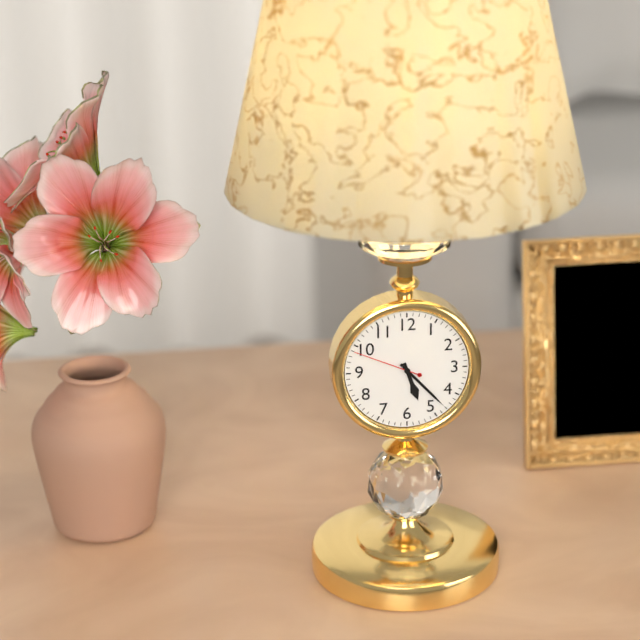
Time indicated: 5:23:49
